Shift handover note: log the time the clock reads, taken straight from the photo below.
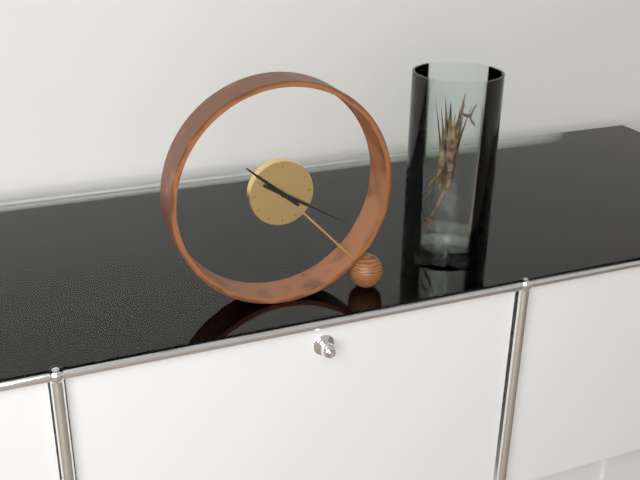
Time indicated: 10:20
